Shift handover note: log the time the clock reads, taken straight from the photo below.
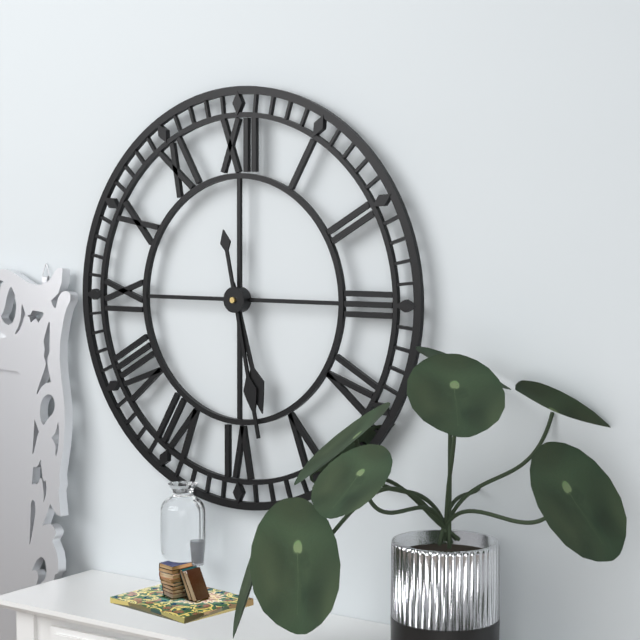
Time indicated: 5:28
